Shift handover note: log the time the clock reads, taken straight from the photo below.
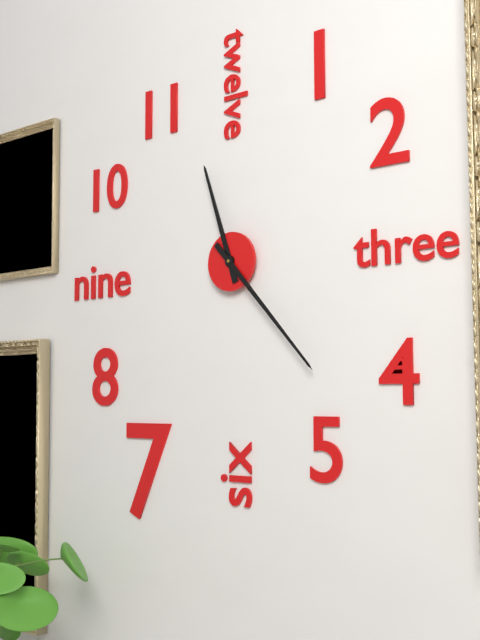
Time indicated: 11:23
